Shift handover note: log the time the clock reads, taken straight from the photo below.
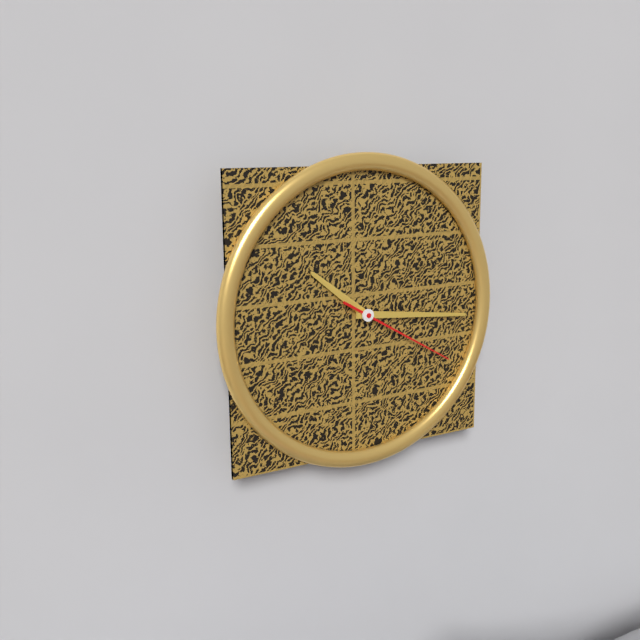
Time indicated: 10:16:20
